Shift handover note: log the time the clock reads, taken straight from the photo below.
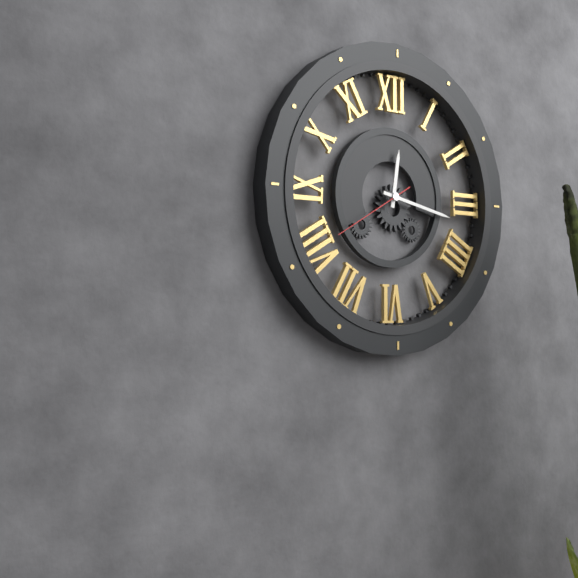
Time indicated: 12:17:40
